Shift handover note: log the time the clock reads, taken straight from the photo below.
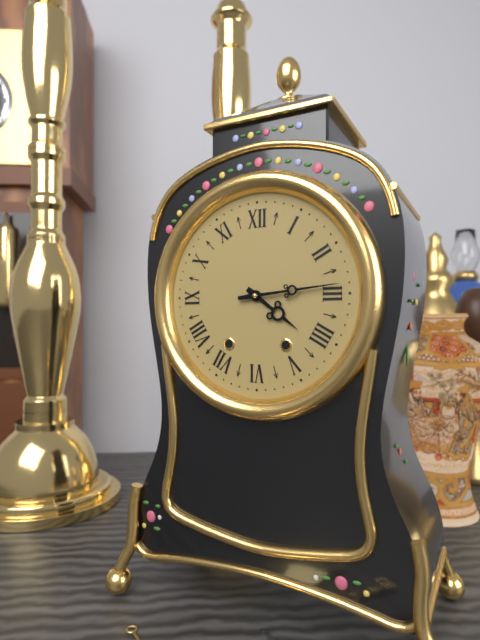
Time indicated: 4:14
